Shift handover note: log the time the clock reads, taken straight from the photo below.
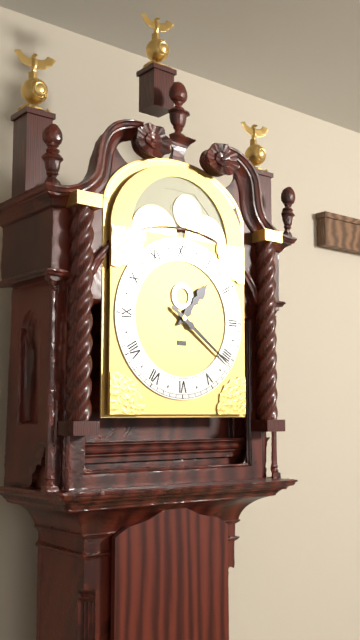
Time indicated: 1:21
